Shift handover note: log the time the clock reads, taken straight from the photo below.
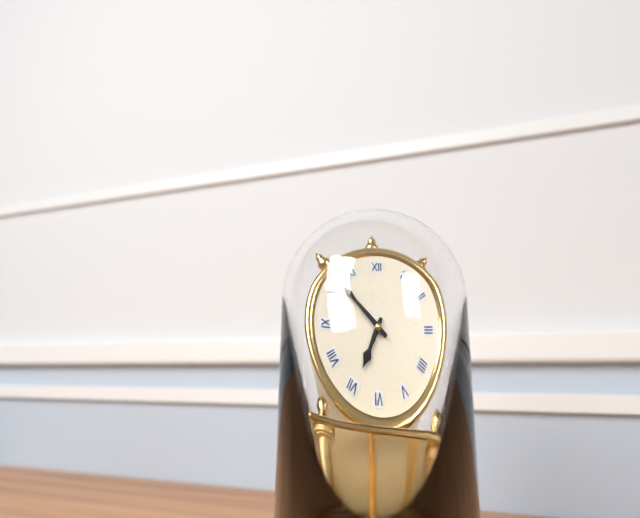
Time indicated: 6:52
